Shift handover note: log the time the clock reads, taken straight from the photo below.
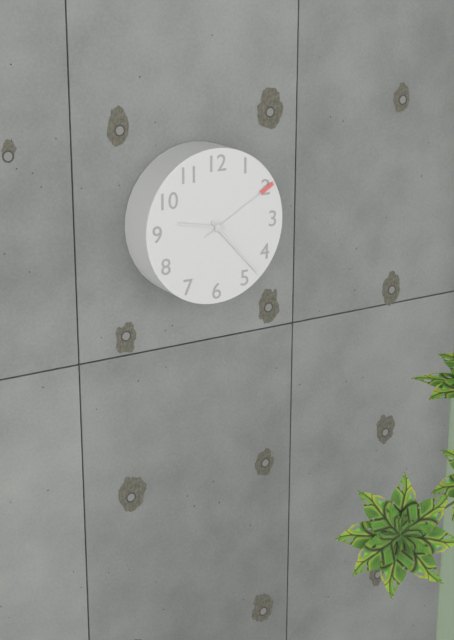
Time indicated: 9:23:10
